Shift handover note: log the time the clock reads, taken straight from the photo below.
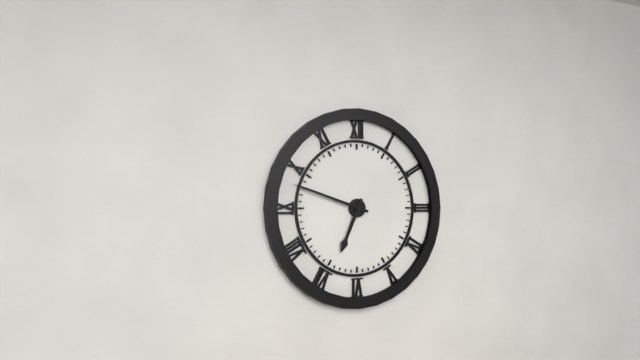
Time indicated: 6:48
